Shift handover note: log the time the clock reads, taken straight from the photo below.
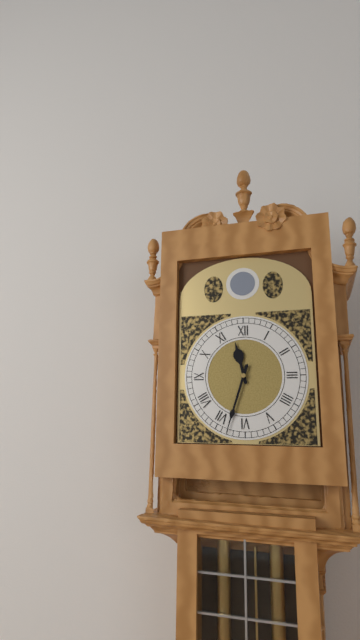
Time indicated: 11:33
